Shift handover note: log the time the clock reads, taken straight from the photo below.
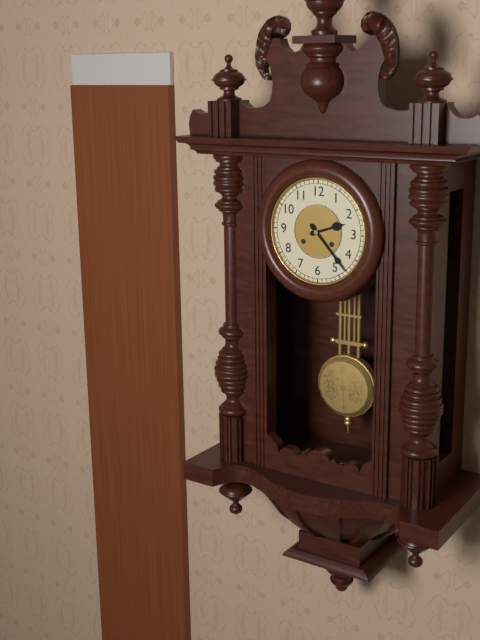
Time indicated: 2:23
